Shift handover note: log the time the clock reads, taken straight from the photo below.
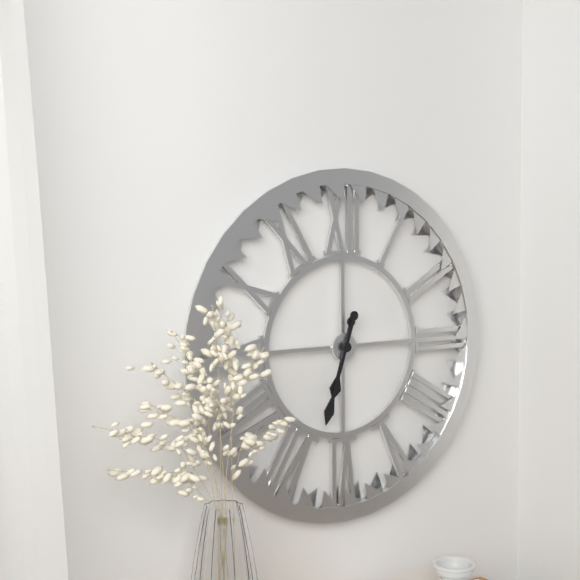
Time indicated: 6:33
